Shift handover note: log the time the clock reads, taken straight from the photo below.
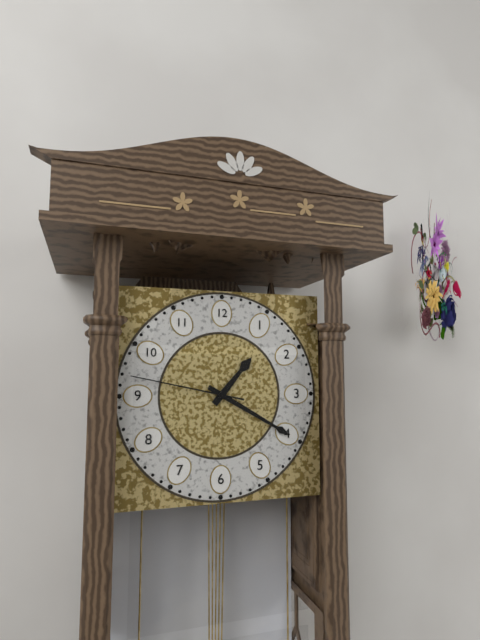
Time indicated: 1:20:47
